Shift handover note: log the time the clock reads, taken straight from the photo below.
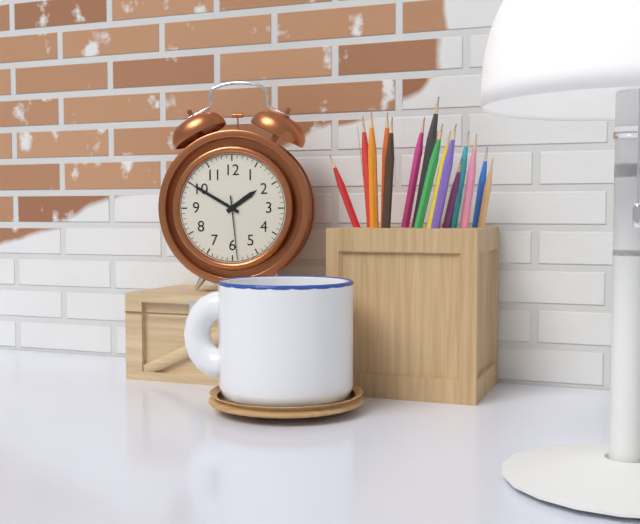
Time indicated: 1:50:29
